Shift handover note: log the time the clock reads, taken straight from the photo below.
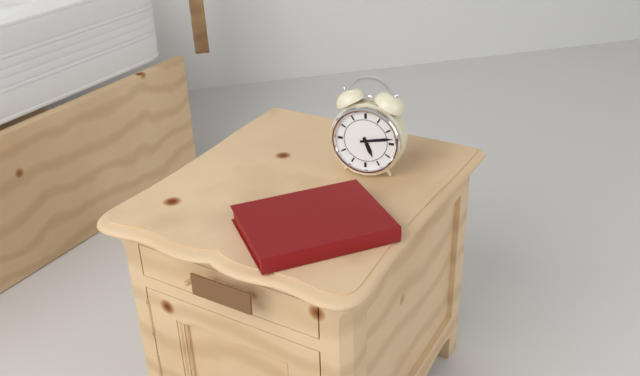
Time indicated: 5:13
